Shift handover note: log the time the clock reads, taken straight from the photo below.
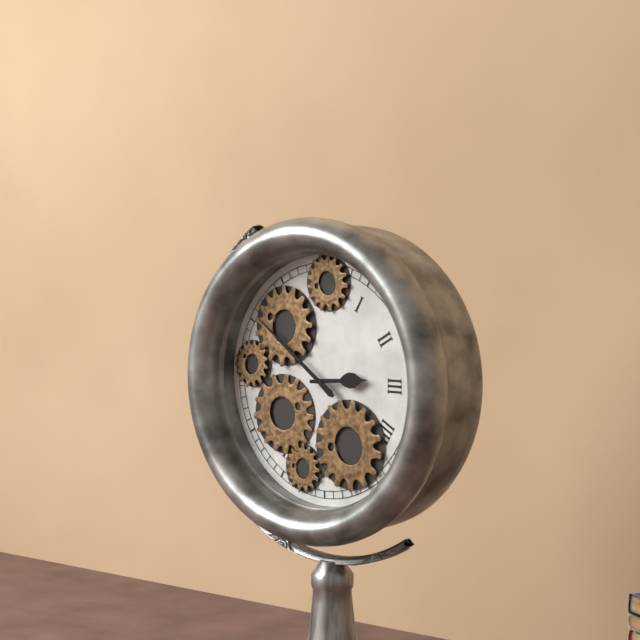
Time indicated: 2:51
